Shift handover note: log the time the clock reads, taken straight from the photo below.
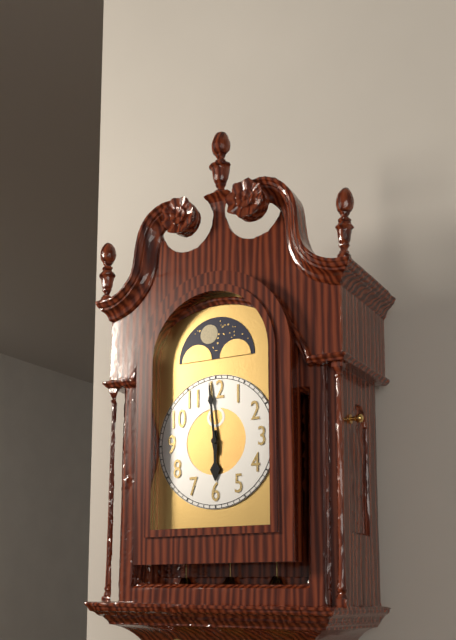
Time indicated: 5:59
